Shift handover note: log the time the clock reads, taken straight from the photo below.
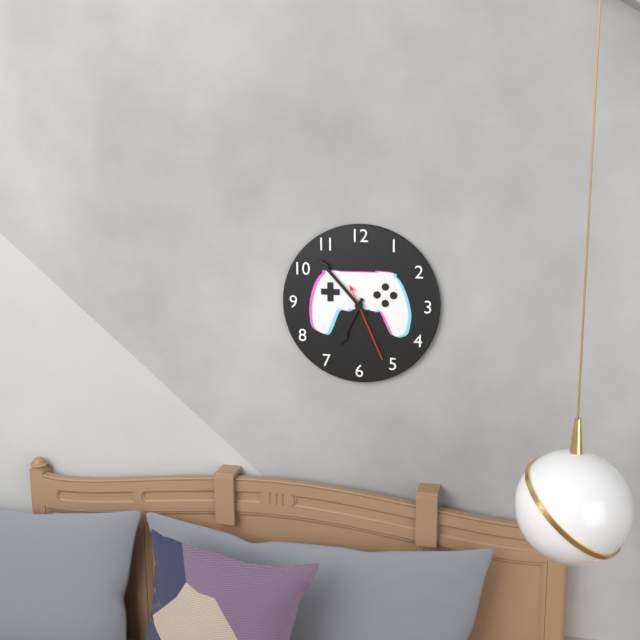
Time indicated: 6:53:26
